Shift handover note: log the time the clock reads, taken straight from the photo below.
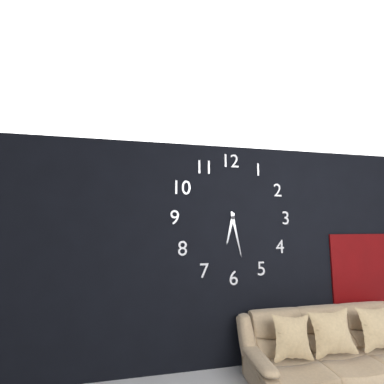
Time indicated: 6:28
